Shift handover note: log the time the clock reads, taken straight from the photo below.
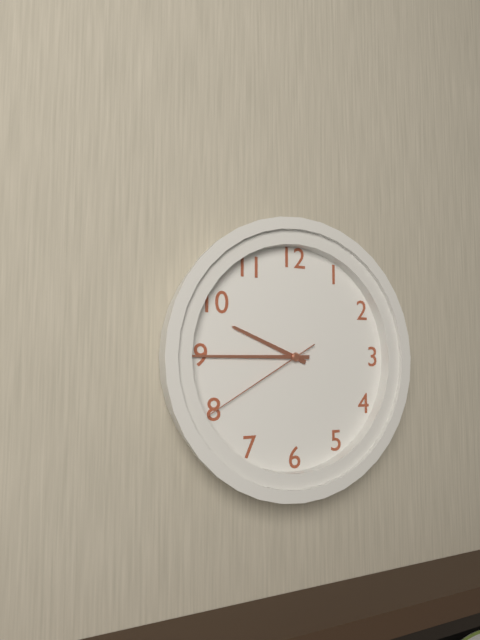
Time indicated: 9:45:40
